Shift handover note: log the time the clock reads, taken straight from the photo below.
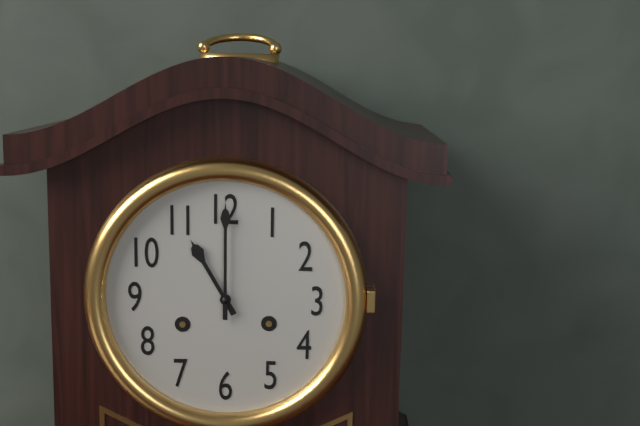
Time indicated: 11:00
